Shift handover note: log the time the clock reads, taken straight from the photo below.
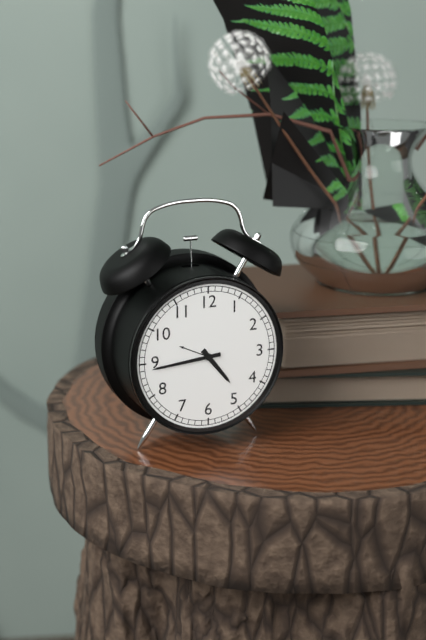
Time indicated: 4:44
